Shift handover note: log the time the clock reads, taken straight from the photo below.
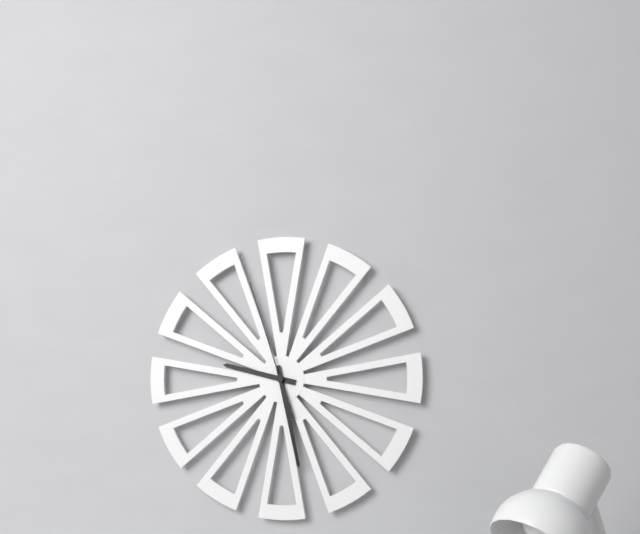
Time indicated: 9:28:57
